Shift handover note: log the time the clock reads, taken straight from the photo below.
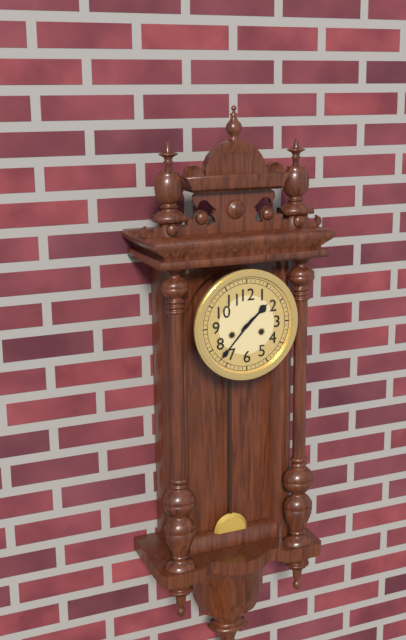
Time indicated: 1:37
